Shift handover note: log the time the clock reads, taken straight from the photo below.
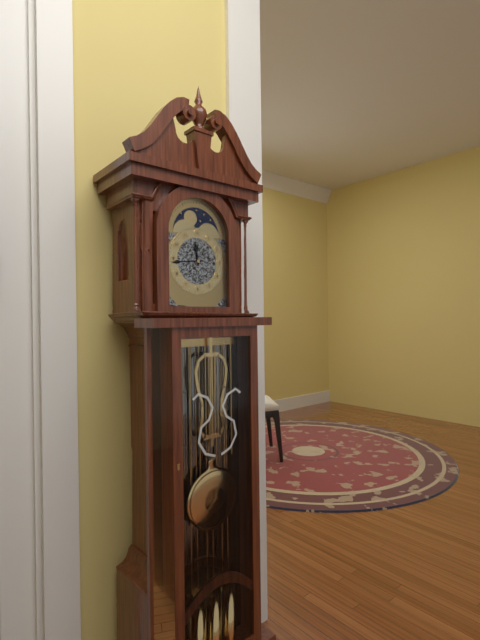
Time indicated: 11:44
